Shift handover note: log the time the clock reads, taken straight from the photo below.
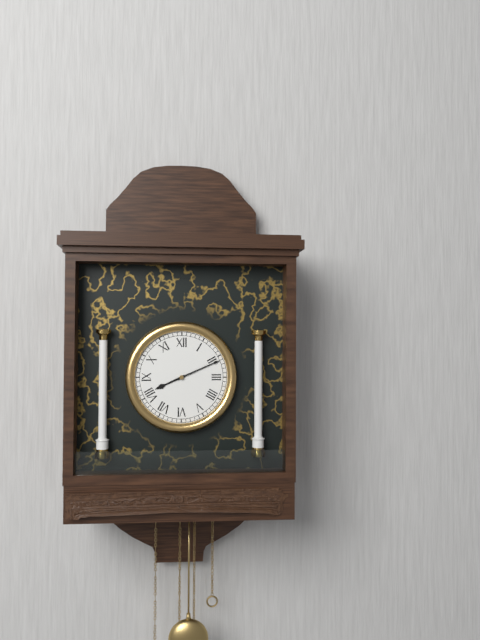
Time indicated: 8:11
